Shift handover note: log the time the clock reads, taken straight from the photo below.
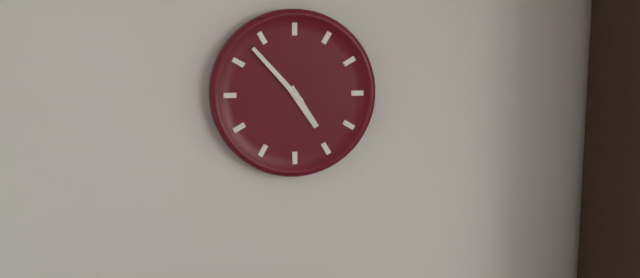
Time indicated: 4:53
